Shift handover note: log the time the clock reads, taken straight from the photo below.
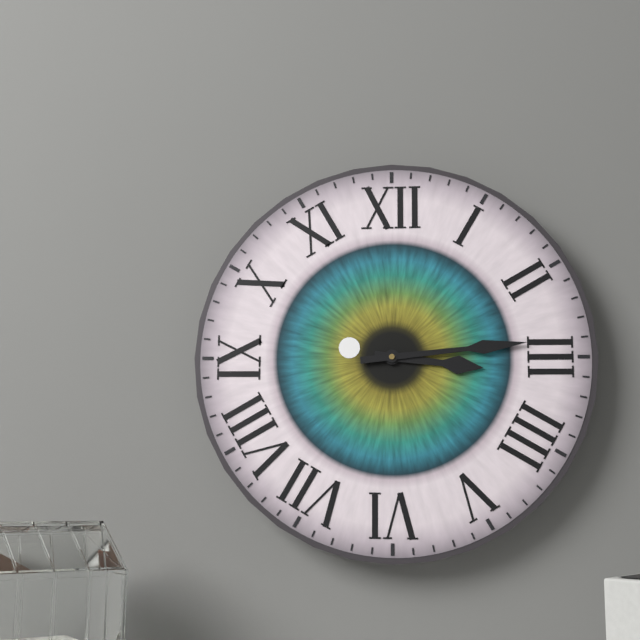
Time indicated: 3:14
